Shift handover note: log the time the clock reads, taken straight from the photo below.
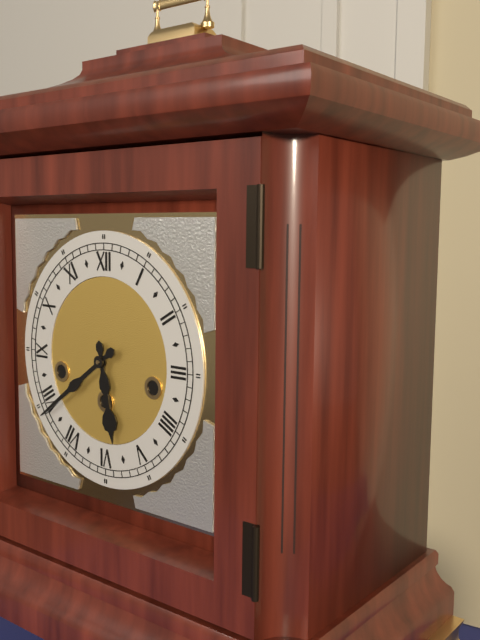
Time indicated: 5:39
